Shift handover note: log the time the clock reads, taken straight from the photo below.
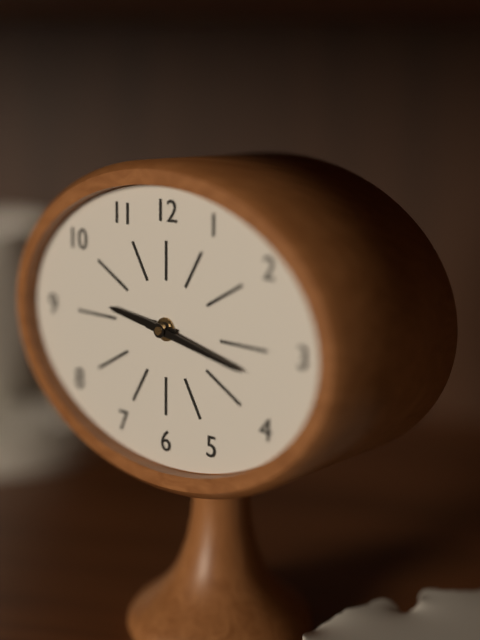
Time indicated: 9:17
